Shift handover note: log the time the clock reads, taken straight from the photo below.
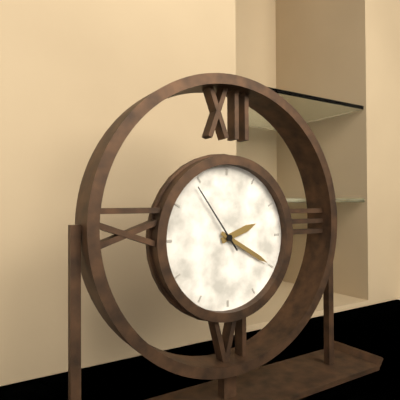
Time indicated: 2:20:54
